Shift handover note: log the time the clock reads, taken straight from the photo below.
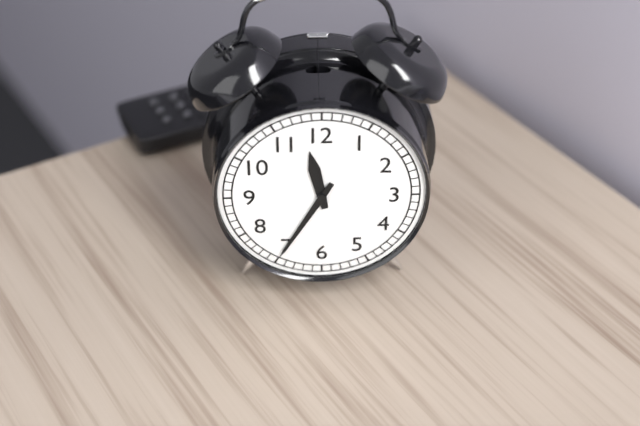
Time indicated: 11:35
